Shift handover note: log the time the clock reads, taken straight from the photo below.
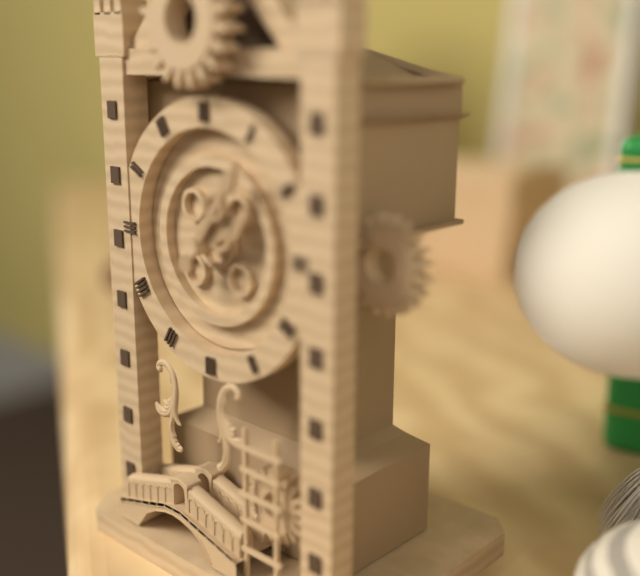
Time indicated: 2:06
